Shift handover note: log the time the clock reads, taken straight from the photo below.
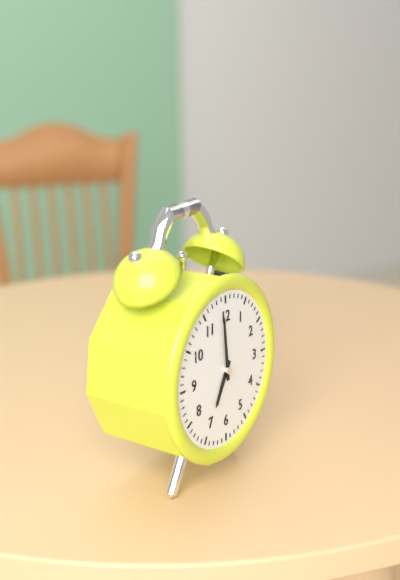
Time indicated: 6:59
